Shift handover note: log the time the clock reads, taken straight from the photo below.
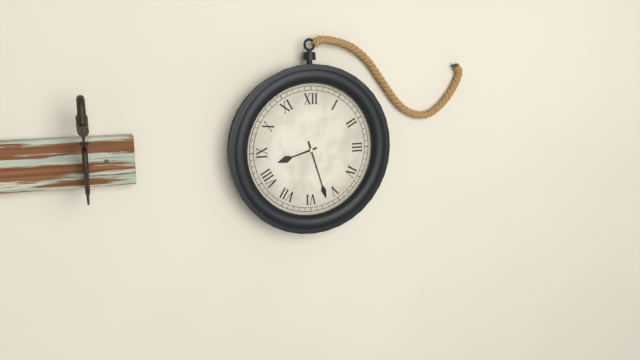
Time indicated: 8:27
